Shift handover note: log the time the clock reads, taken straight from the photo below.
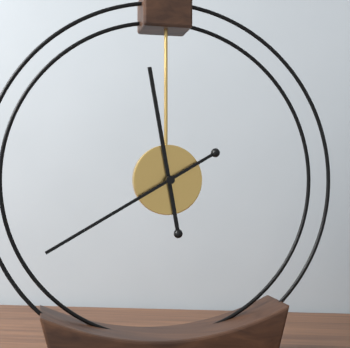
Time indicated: 11:40
